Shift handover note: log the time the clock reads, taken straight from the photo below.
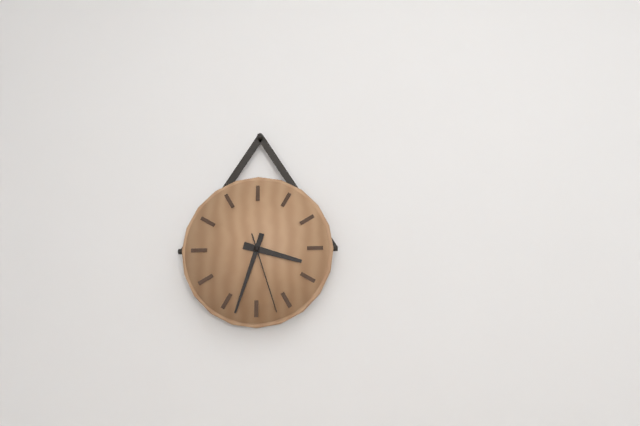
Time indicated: 3:33:27
